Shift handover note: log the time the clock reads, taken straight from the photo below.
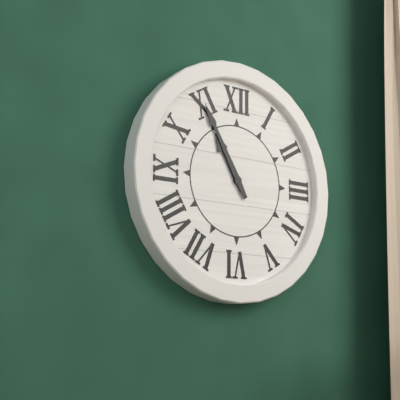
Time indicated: 10:55
